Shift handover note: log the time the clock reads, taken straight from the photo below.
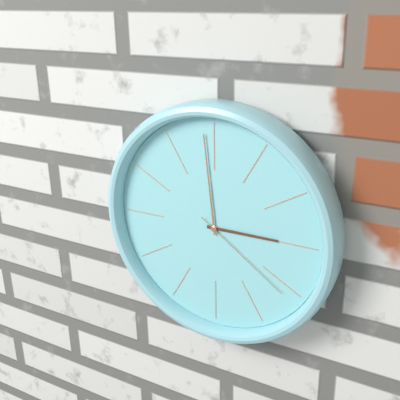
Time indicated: 2:59:21
